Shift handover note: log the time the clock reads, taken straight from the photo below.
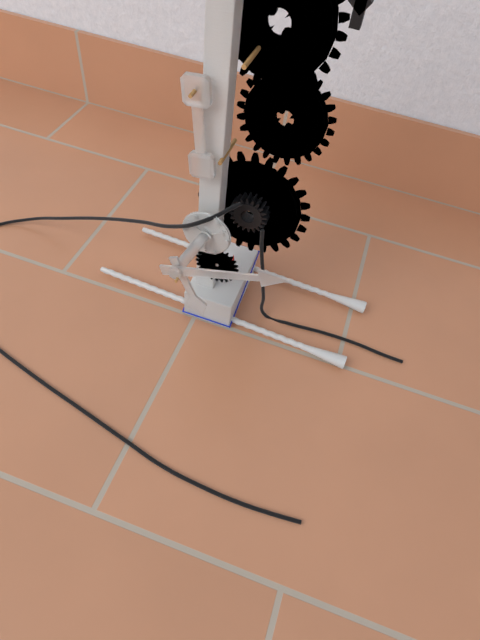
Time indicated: 5:12
